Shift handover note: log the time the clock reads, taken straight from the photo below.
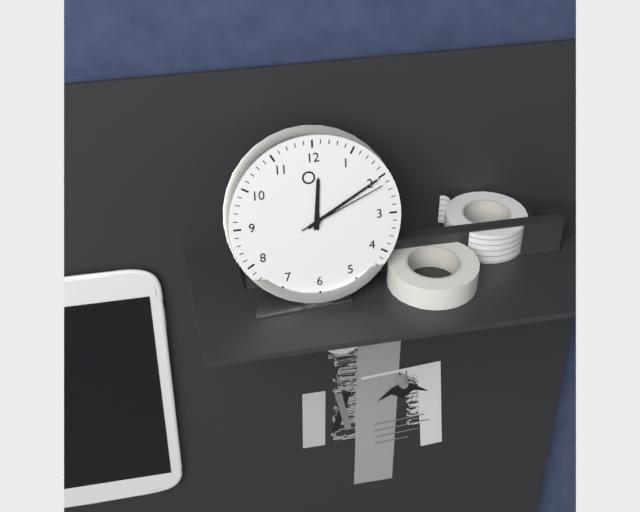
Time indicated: 12:10:11
